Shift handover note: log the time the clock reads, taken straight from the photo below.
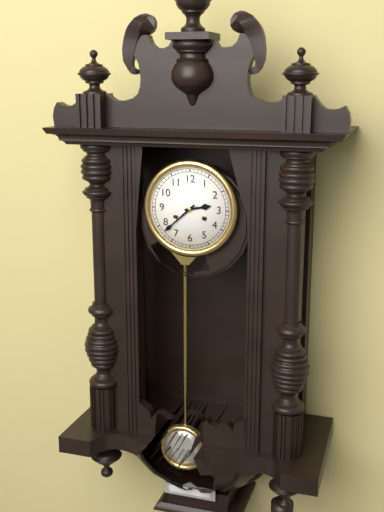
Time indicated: 2:38
